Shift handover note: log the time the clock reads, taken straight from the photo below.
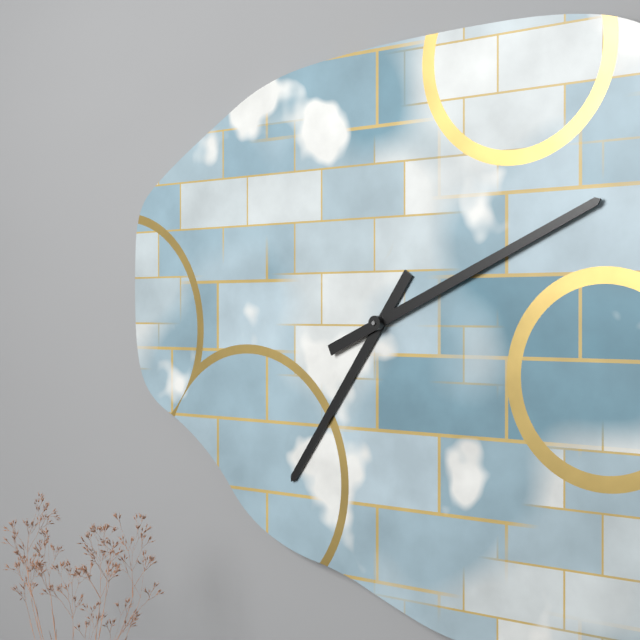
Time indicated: 7:11
